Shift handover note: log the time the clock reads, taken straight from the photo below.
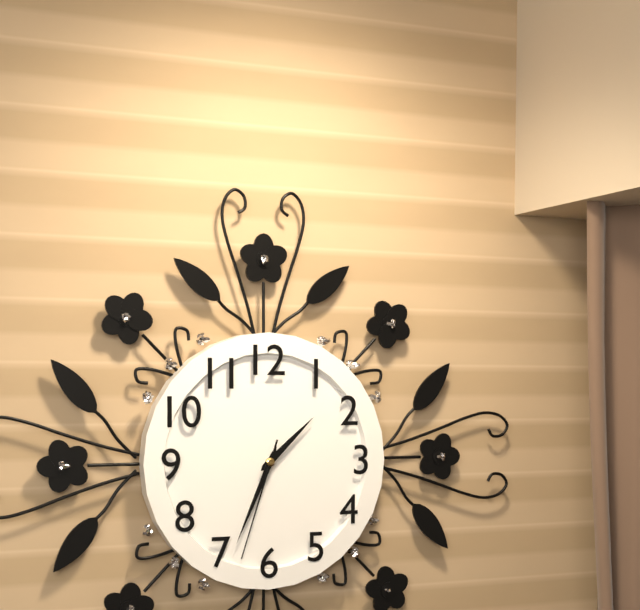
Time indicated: 1:34:33
